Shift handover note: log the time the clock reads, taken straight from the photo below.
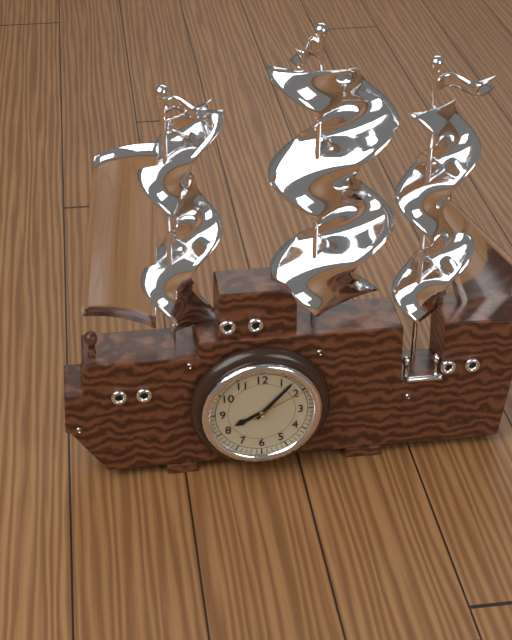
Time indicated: 8:07:10
